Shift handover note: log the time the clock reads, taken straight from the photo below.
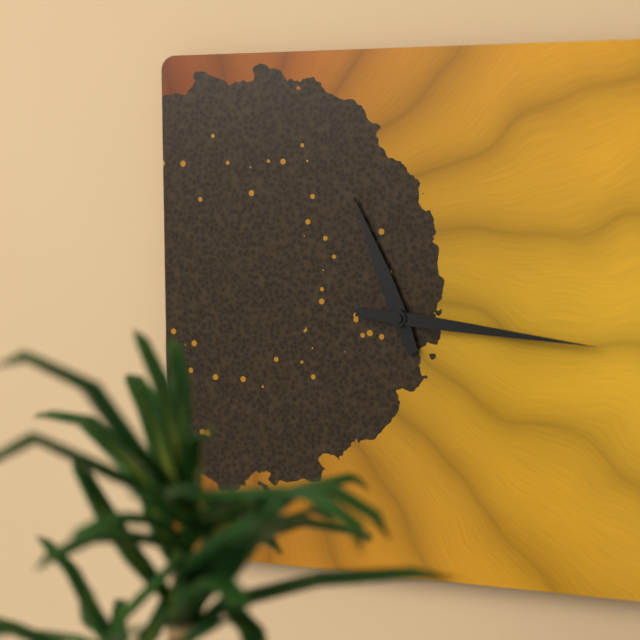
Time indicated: 11:16
